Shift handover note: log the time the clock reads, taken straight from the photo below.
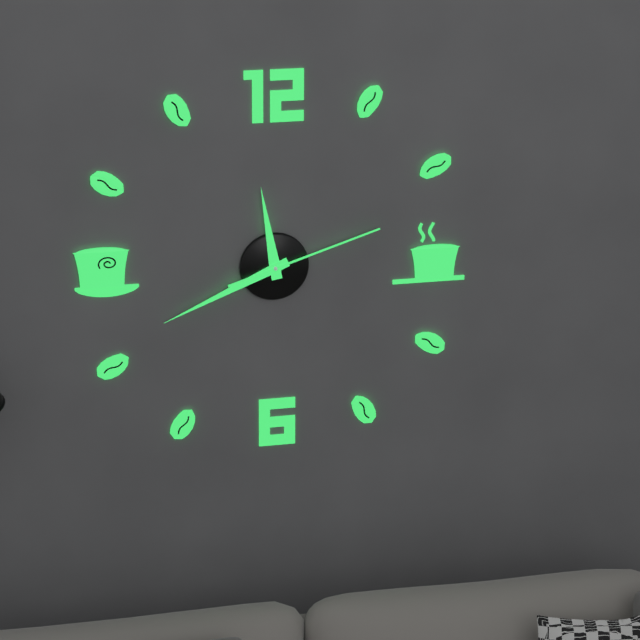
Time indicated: 11:41:12
